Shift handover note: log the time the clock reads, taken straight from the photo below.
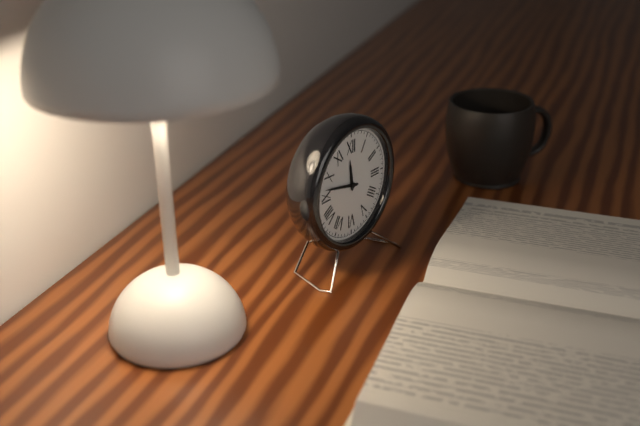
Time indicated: 11:47
